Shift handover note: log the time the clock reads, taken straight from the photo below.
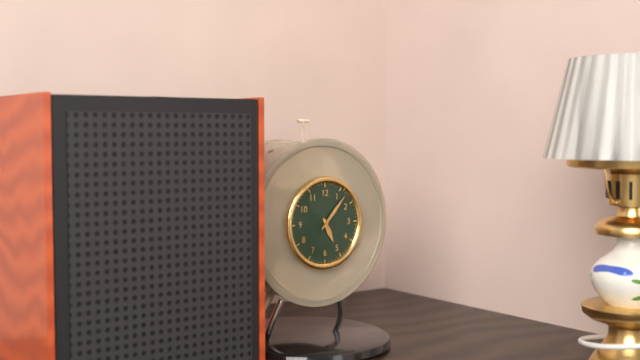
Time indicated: 5:07
